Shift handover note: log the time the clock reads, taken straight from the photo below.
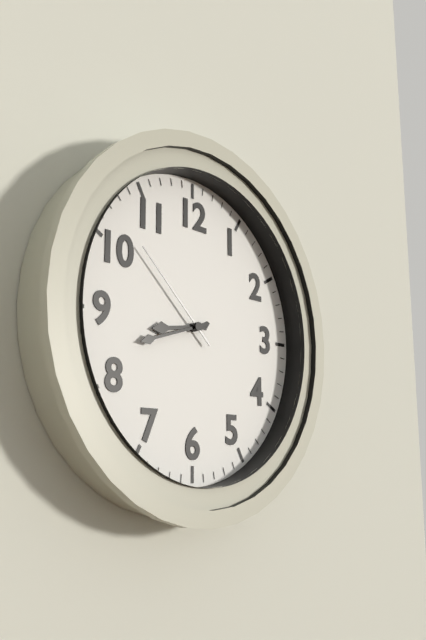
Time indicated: 8:42:52
